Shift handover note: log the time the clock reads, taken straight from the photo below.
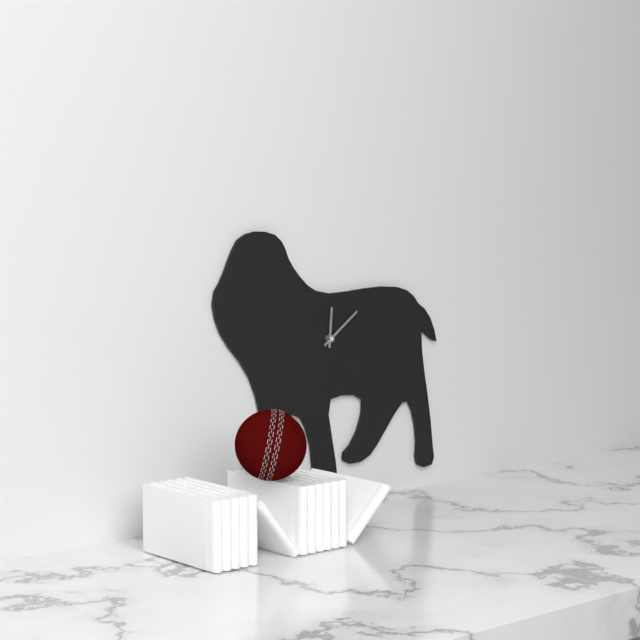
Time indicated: 12:09
